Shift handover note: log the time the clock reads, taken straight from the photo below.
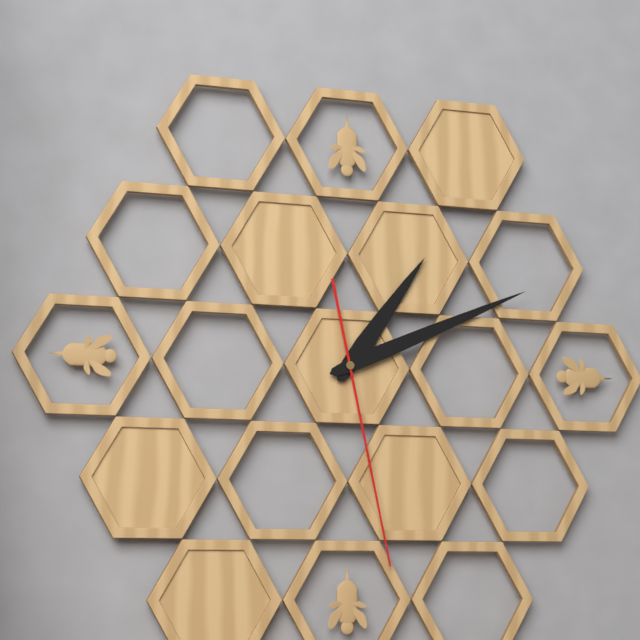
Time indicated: 1:11:28
